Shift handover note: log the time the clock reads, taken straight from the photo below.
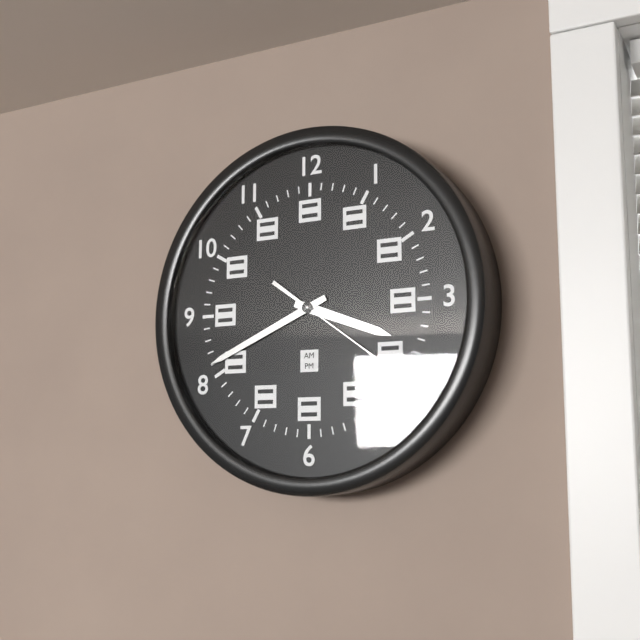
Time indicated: 3:41:21
